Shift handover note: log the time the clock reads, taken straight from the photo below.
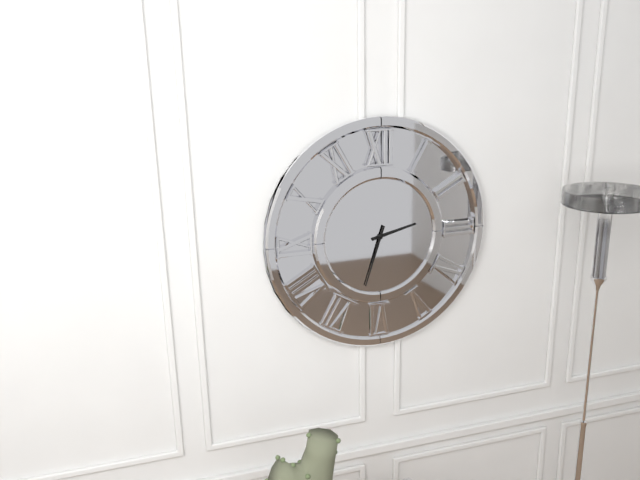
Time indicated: 2:33
